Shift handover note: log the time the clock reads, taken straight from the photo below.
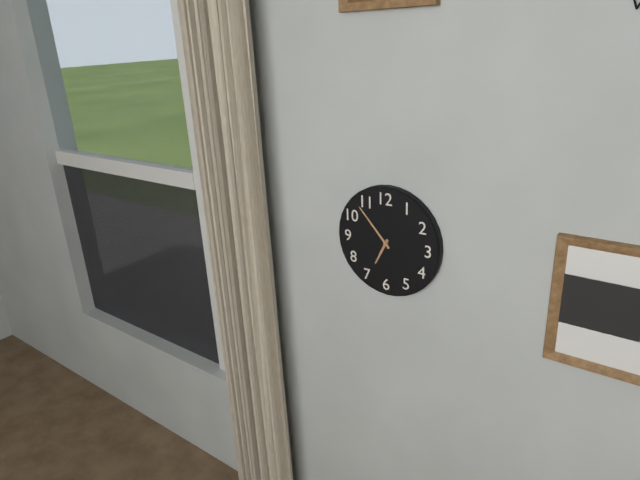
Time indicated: 6:53
